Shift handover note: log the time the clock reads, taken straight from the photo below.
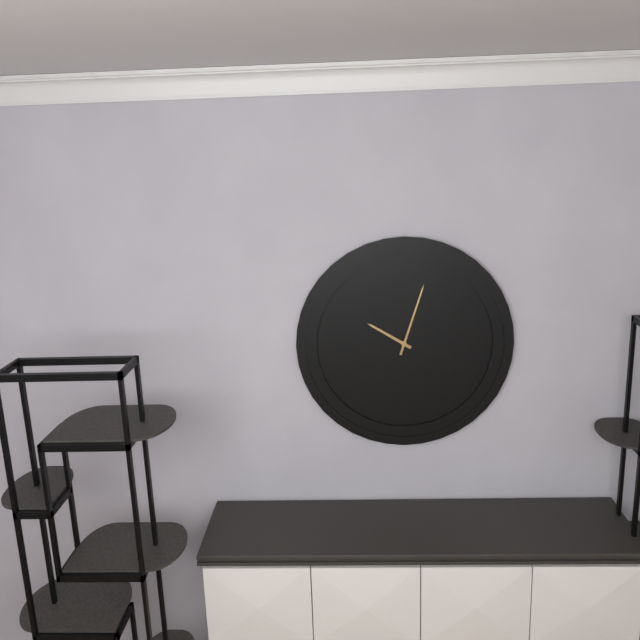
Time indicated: 10:03
